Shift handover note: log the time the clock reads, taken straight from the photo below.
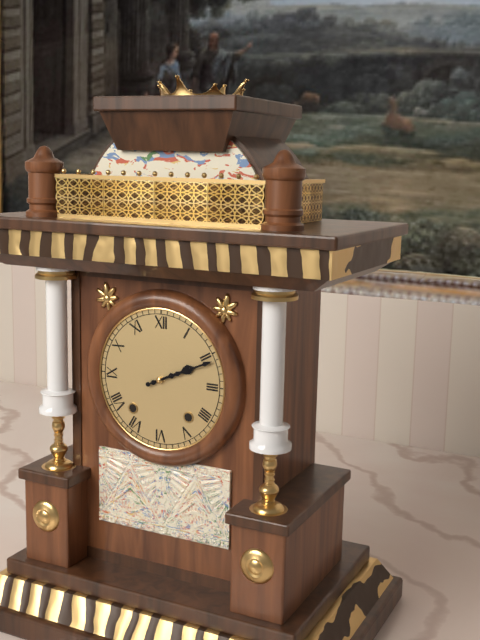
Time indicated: 2:11
